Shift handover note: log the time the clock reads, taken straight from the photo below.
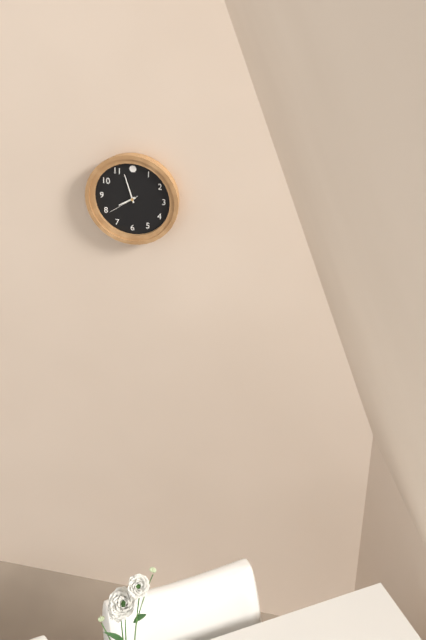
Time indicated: 7:57
